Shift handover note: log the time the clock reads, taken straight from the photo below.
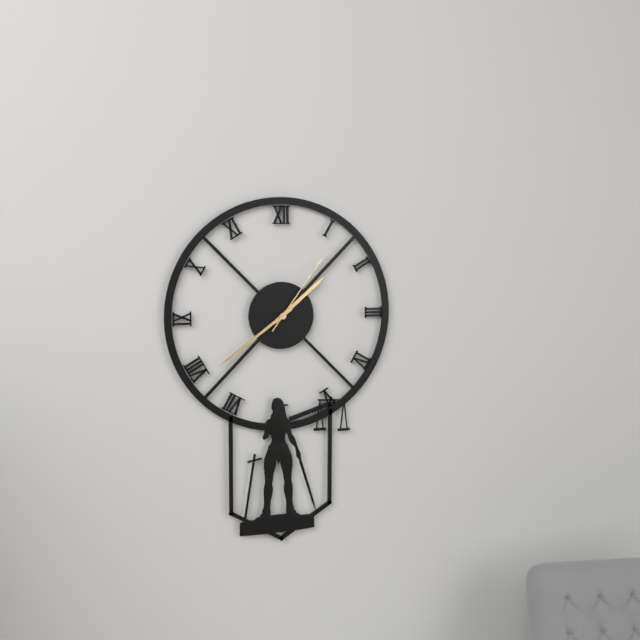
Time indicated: 1:39:06
